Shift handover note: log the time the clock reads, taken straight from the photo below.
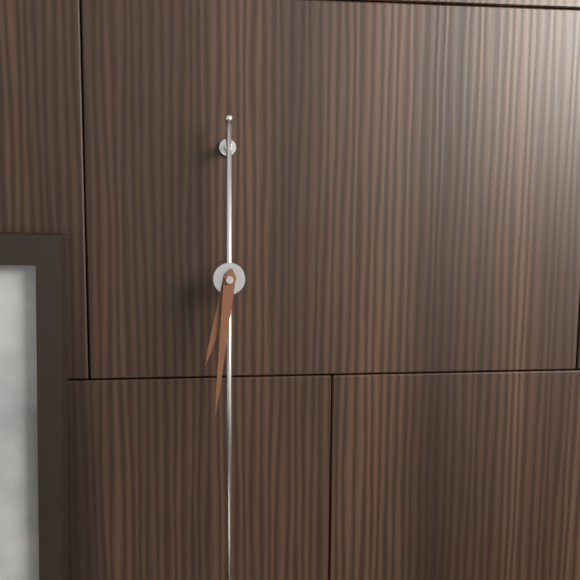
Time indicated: 6:31
